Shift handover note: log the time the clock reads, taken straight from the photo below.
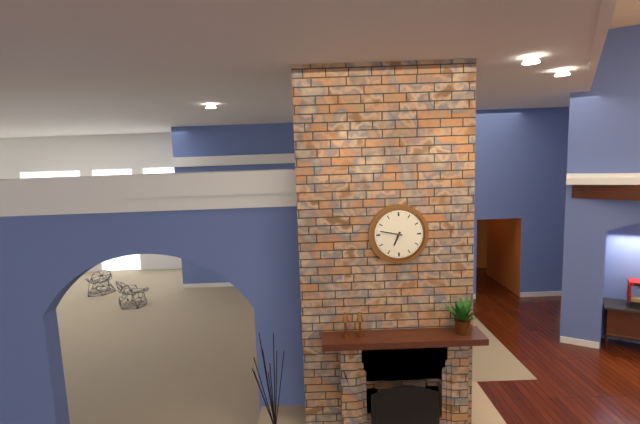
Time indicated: 6:47
